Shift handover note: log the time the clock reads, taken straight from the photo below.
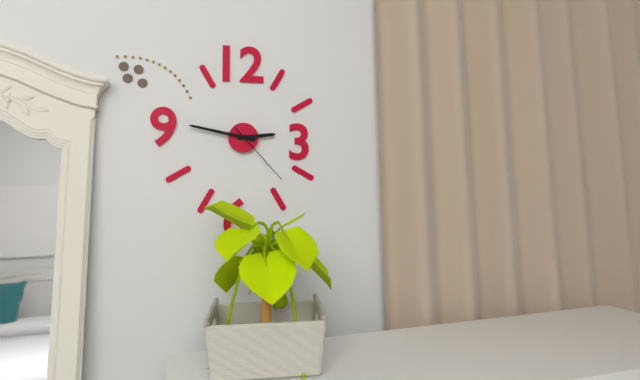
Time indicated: 2:47:23
